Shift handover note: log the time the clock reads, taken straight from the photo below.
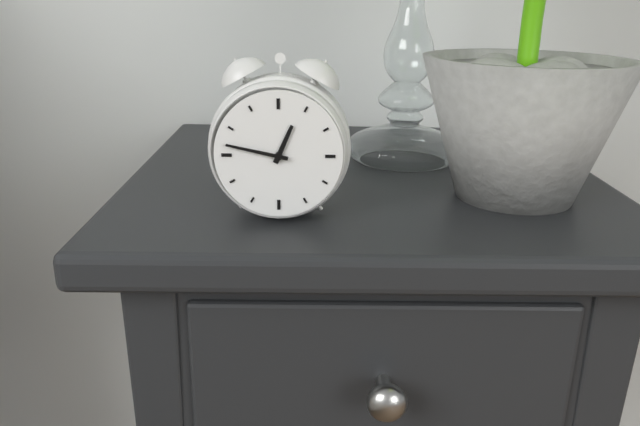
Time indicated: 12:47
